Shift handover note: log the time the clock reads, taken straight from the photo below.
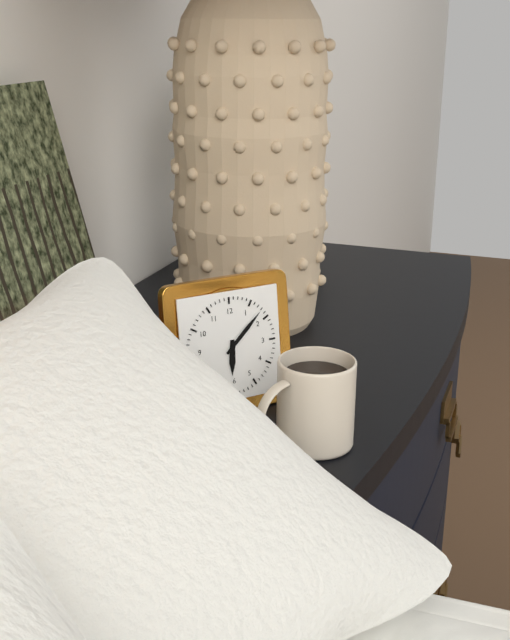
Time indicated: 6:08
